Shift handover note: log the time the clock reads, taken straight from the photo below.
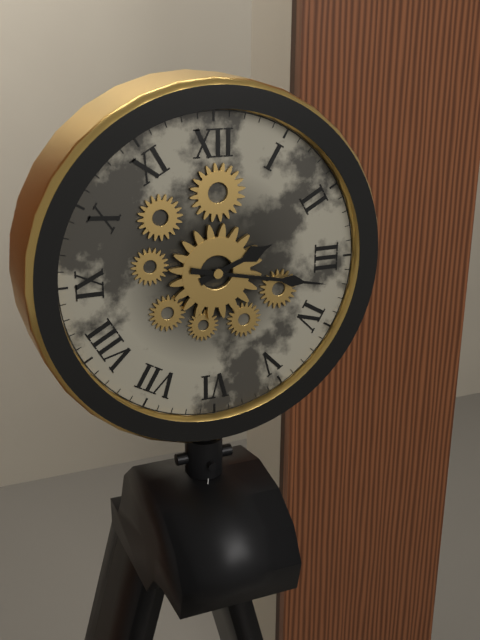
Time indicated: 2:17
